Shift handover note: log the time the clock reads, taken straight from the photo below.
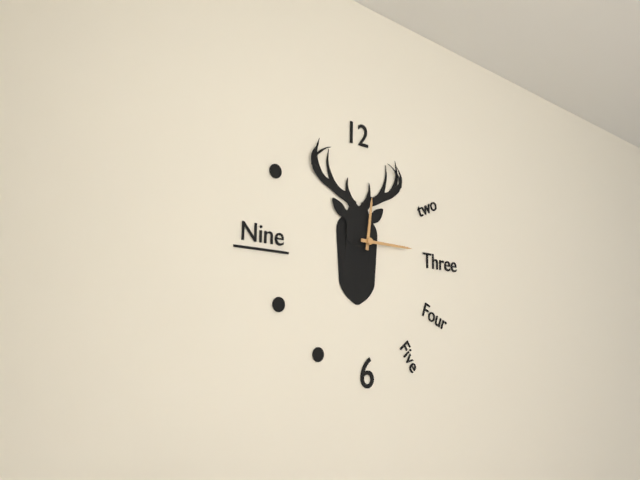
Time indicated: 12:15
